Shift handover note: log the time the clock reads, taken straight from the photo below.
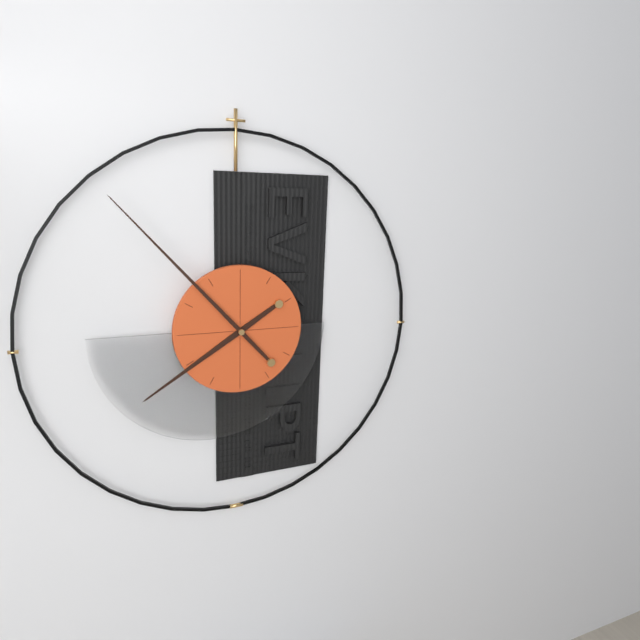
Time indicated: 7:53
